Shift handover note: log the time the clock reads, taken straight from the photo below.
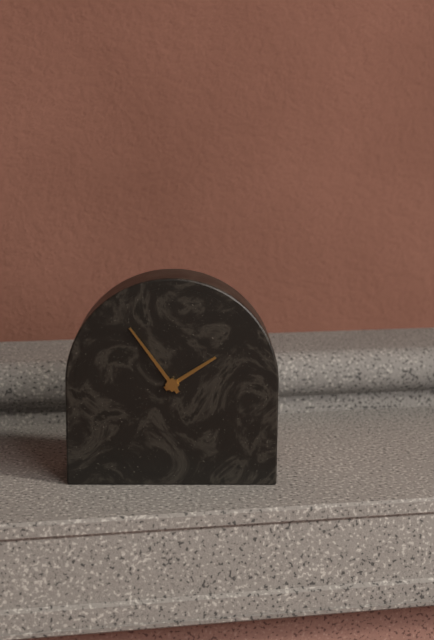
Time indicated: 1:54
